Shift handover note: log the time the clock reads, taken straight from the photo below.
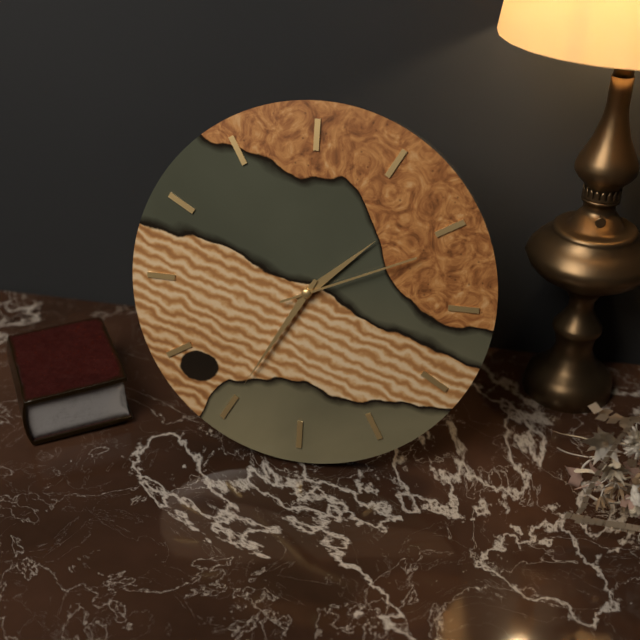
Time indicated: 1:35:11
